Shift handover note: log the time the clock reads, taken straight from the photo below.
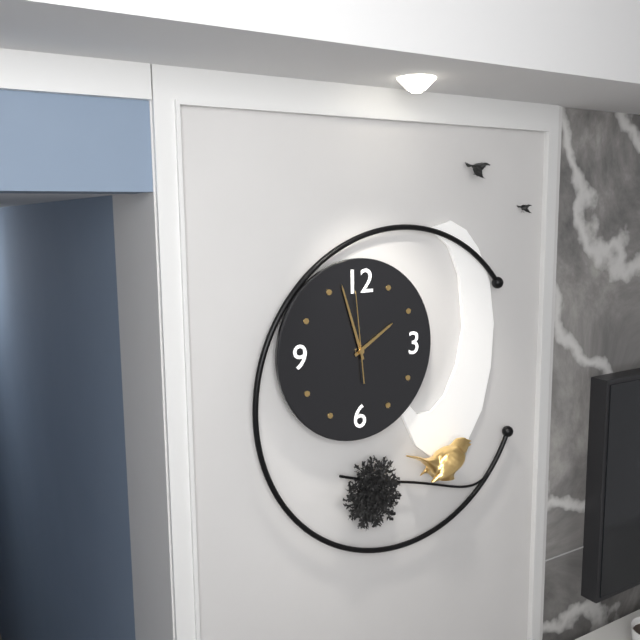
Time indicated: 1:57:59
